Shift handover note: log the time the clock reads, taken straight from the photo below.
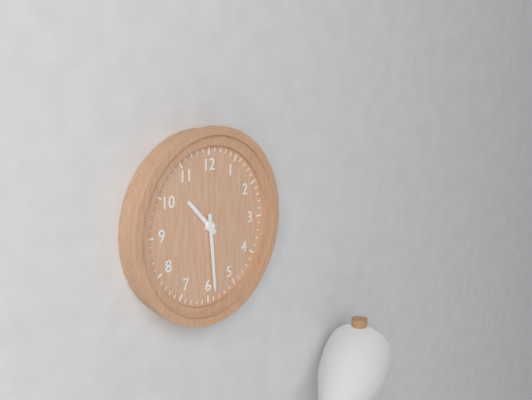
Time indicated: 10:29
